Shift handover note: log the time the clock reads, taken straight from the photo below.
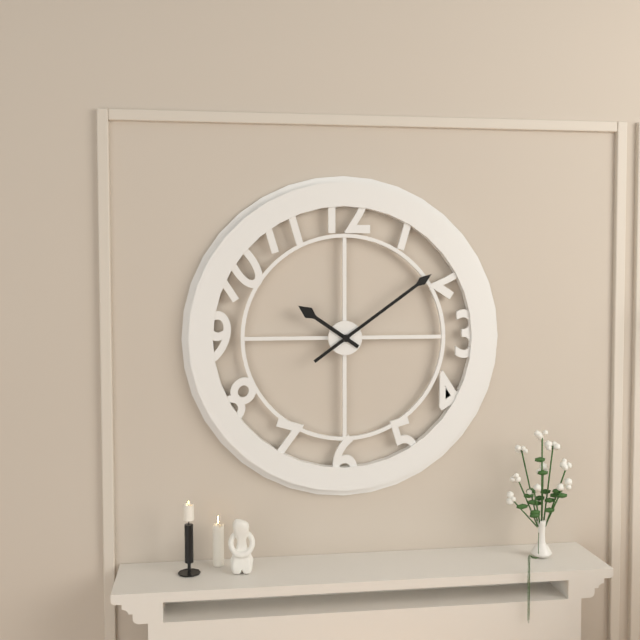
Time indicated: 10:09
